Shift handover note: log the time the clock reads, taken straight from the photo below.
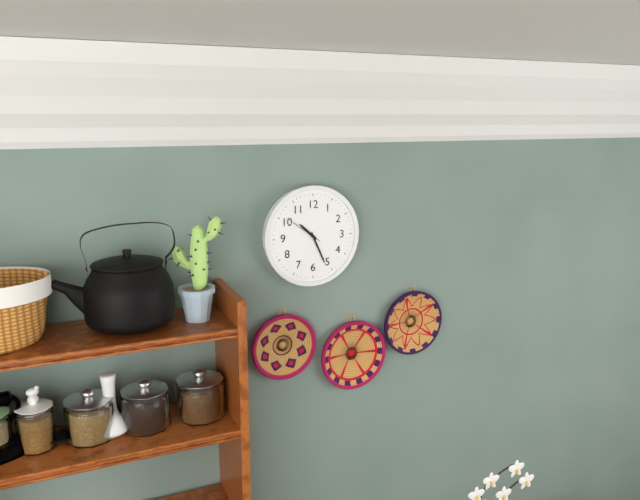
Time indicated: 10:26
